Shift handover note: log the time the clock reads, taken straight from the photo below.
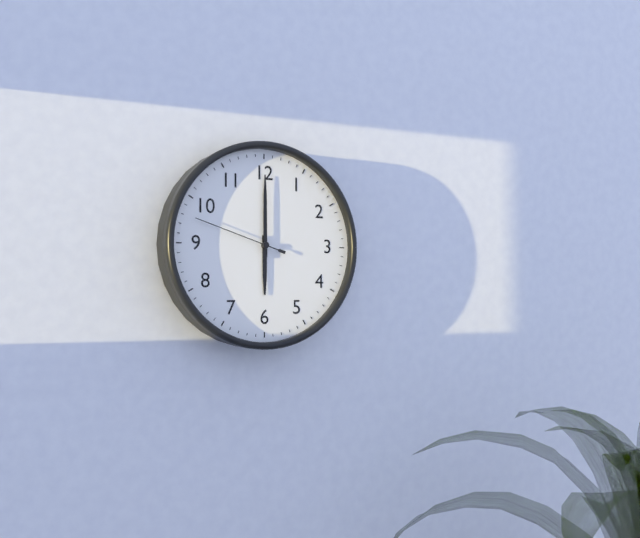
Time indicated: 6:00:48
